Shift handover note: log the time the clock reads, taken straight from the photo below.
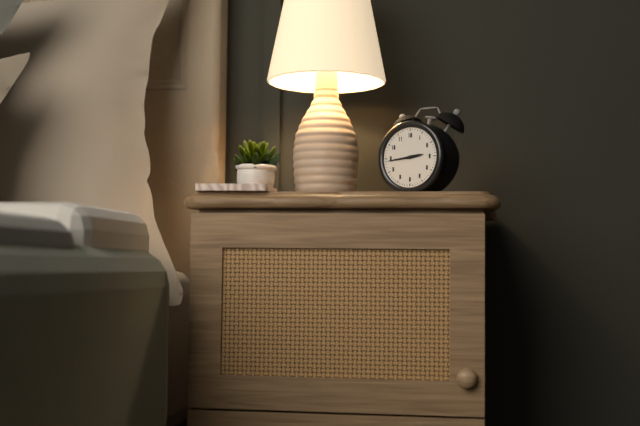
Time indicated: 2:44
